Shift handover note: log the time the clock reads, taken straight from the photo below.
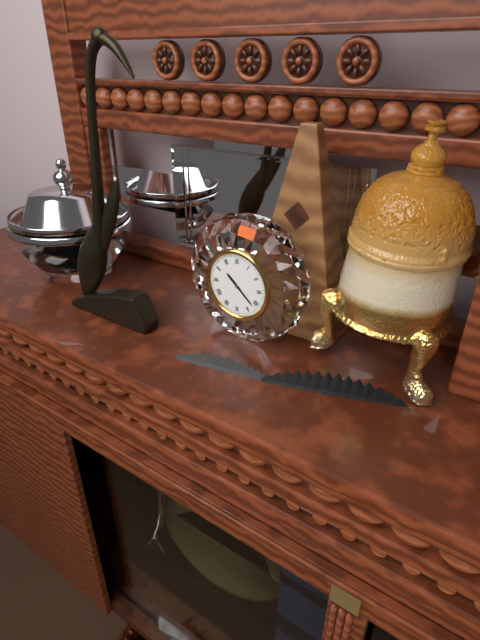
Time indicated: 10:22
